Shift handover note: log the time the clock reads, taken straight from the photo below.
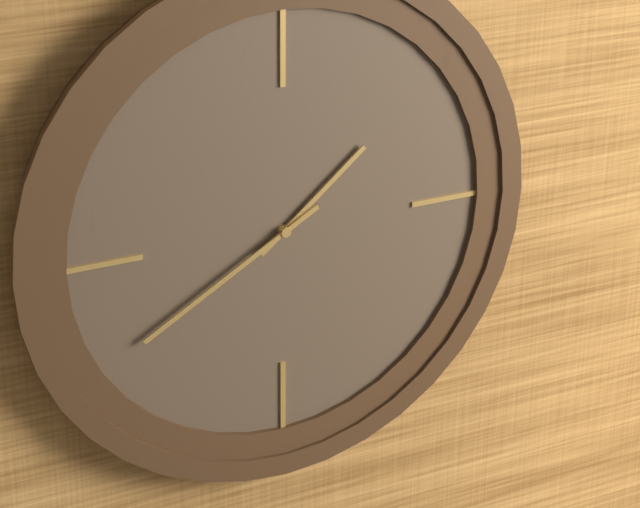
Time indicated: 1:40
